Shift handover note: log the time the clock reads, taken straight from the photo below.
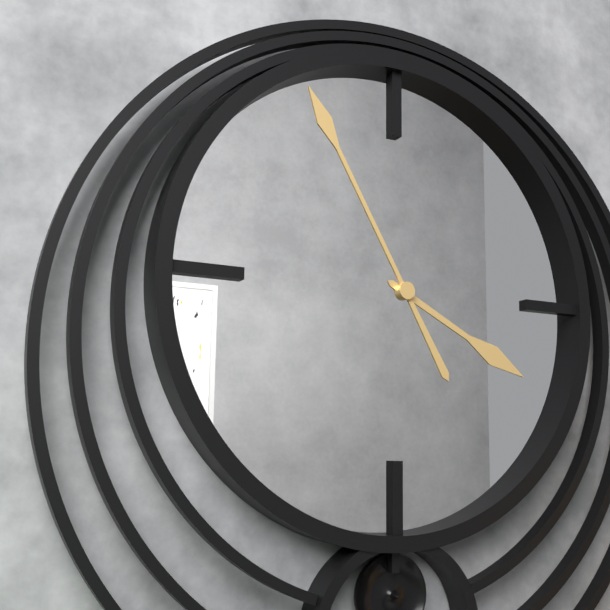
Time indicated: 3:55
